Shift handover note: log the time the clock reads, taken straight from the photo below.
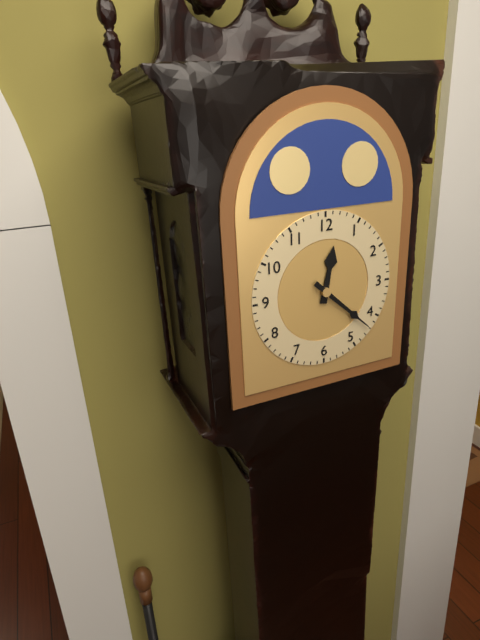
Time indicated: 12:22
